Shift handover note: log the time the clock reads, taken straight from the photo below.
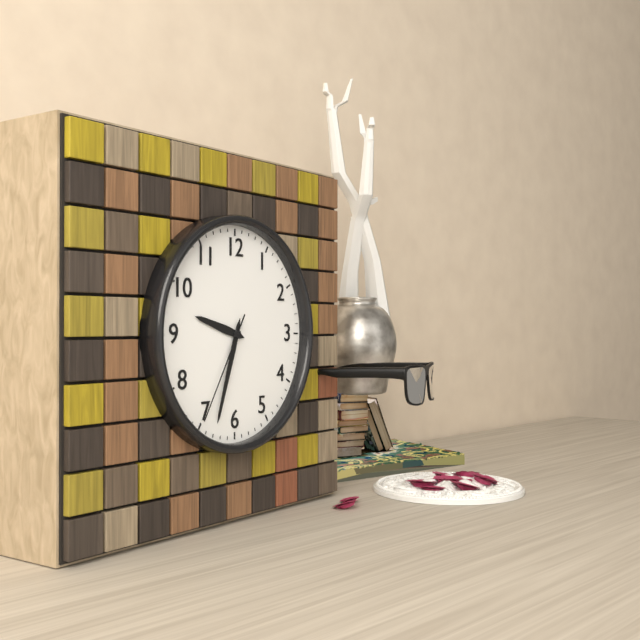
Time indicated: 9:33:35
